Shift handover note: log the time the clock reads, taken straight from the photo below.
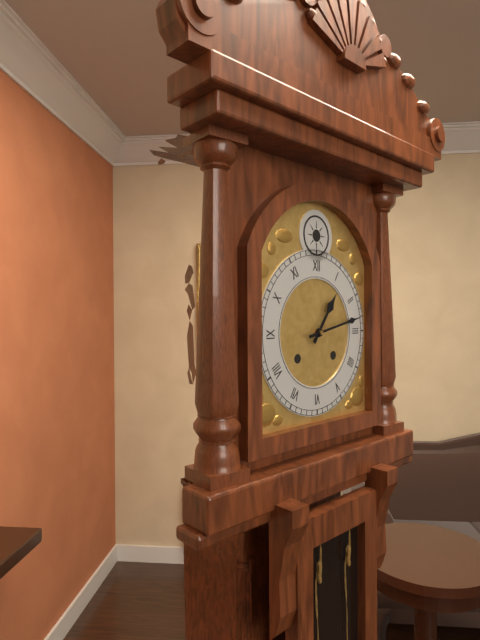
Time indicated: 1:13
